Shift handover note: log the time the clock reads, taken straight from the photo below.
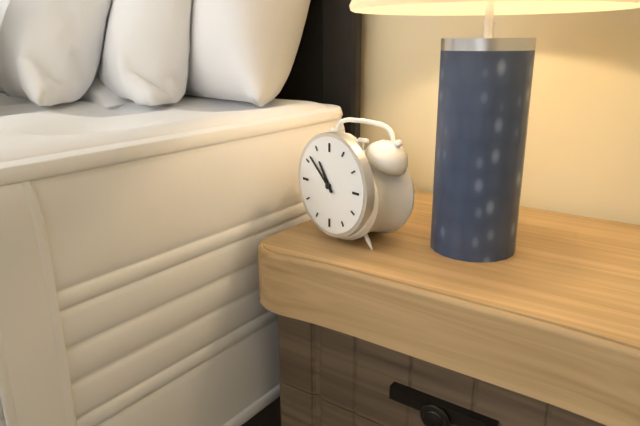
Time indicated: 10:52
